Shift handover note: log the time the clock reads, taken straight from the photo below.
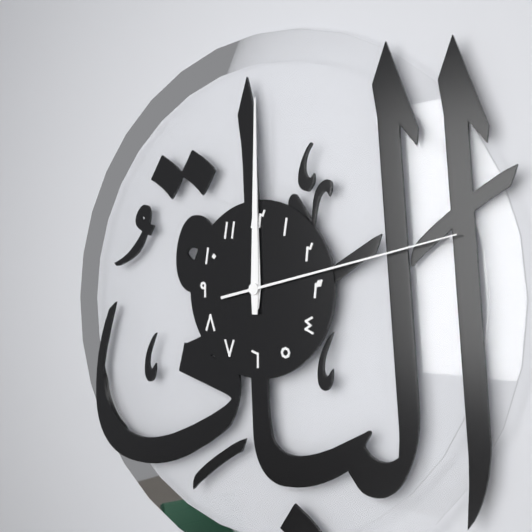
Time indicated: 12:00:13
